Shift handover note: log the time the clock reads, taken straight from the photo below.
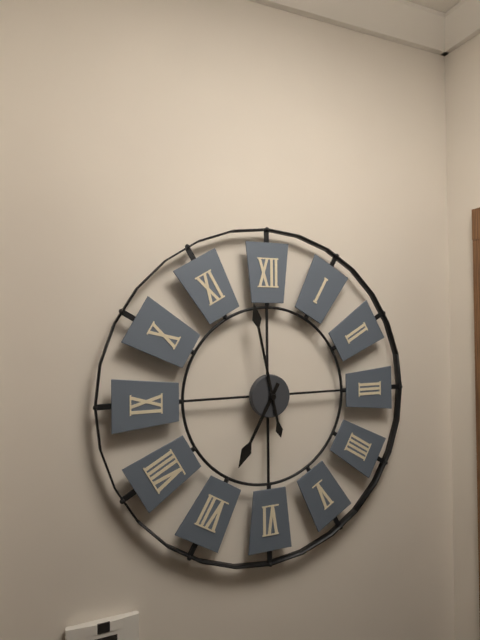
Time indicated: 6:58
